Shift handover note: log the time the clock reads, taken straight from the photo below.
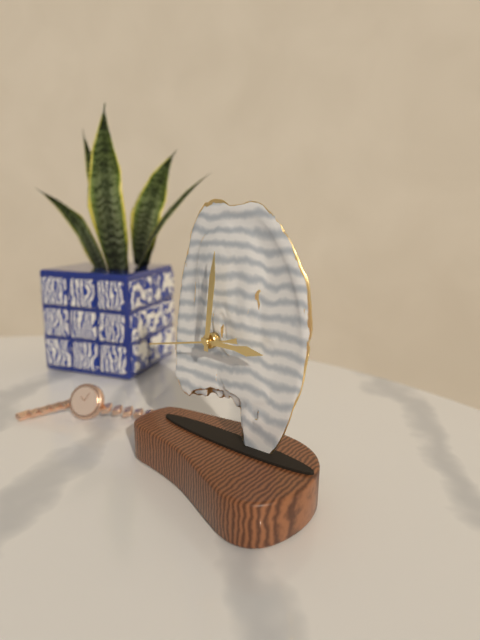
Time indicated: 3:01:43
